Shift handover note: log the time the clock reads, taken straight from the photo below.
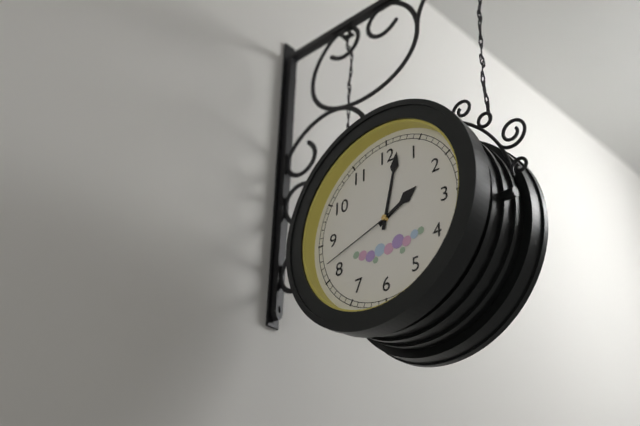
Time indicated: 2:02:42
